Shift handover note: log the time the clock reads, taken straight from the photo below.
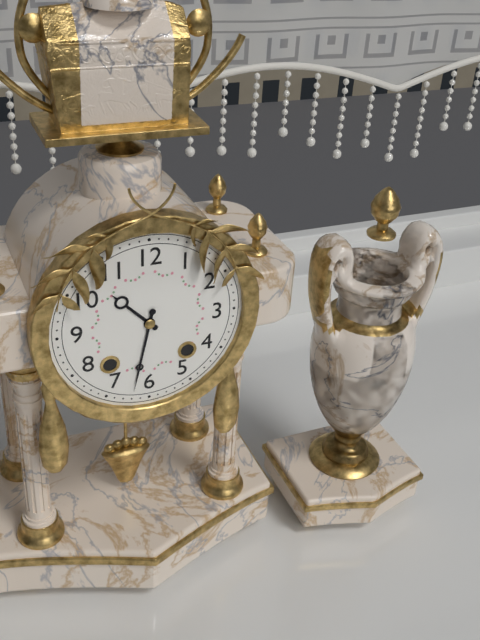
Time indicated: 10:32
